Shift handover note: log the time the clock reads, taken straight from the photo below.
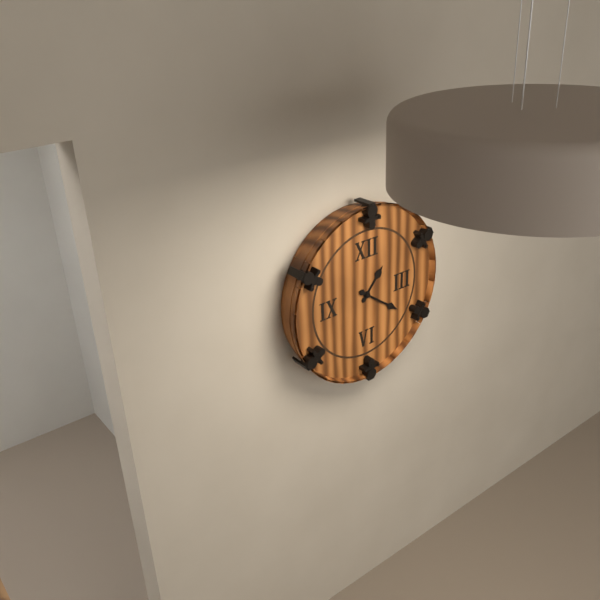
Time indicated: 1:21
